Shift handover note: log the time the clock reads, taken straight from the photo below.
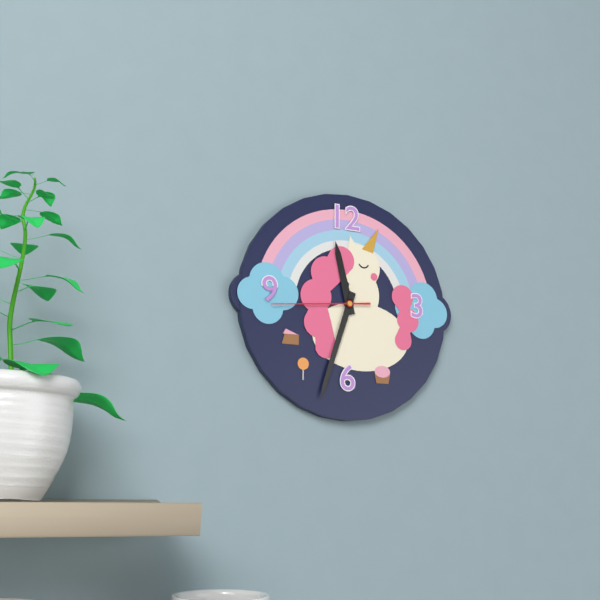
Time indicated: 11:33:44
